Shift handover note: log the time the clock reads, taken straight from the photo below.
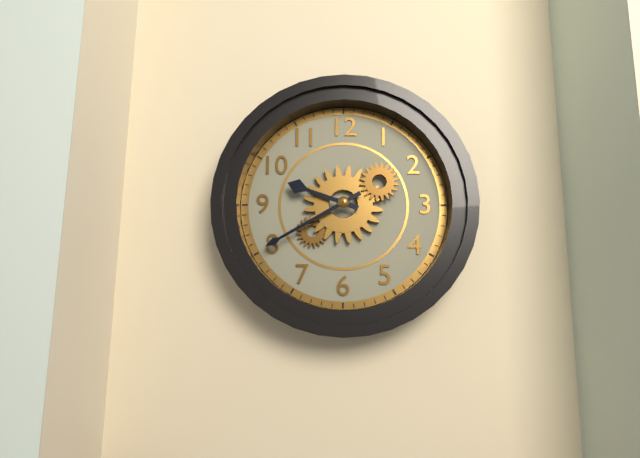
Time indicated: 9:40
